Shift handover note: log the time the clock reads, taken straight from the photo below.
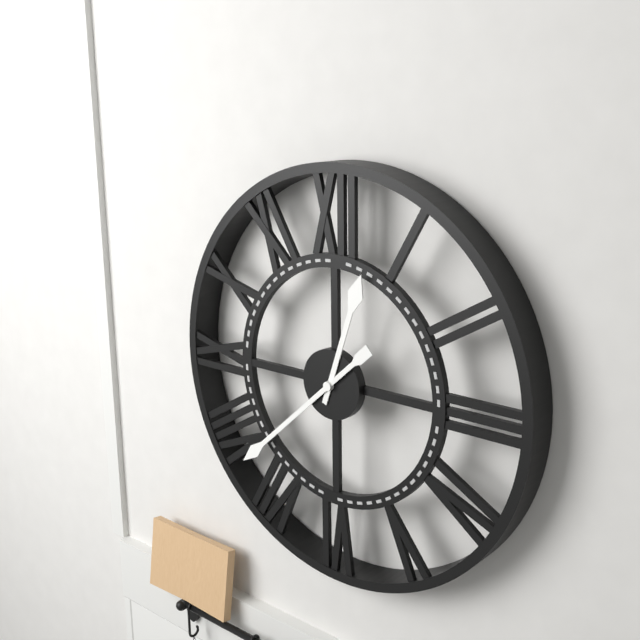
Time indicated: 12:38
